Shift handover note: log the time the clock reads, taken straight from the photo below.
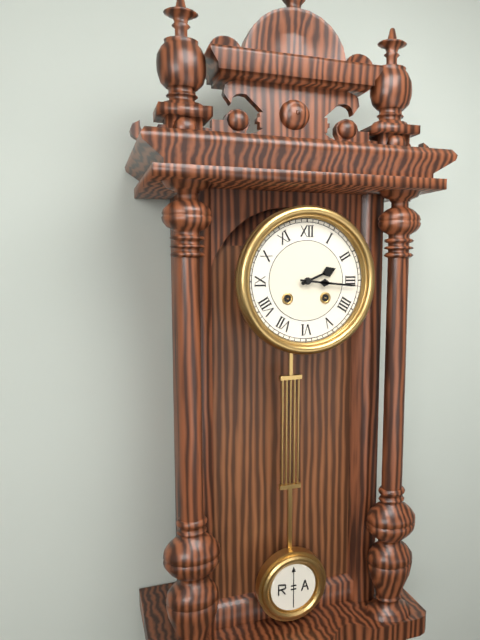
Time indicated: 2:16
